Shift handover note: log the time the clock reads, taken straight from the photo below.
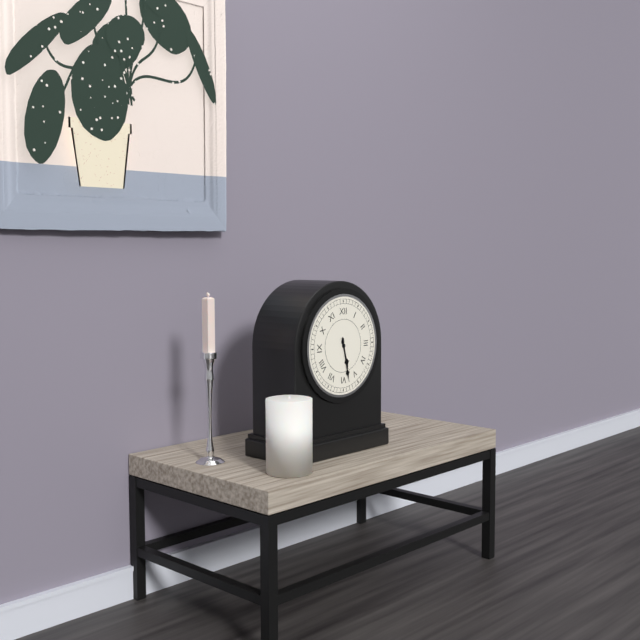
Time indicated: 5:28
